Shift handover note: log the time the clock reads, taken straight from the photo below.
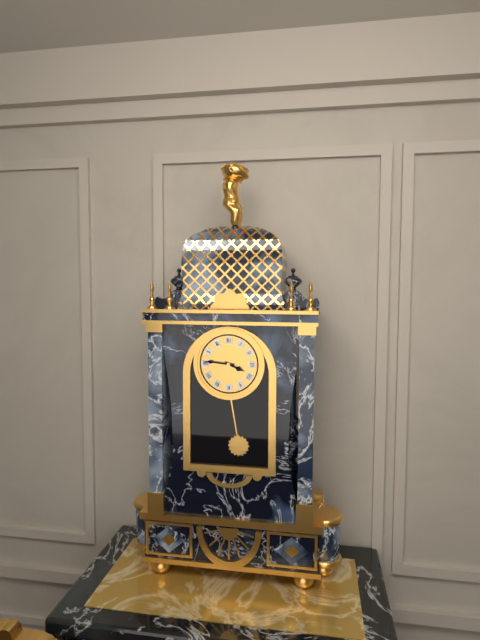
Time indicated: 3:46
